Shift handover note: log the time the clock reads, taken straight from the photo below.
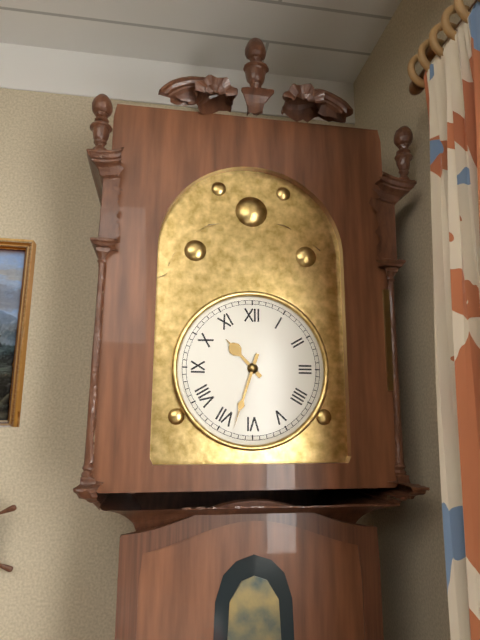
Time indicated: 10:33
